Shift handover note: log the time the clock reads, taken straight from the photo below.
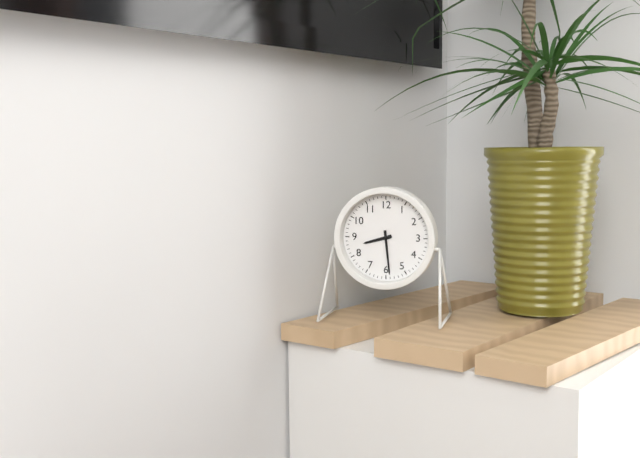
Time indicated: 8:29
